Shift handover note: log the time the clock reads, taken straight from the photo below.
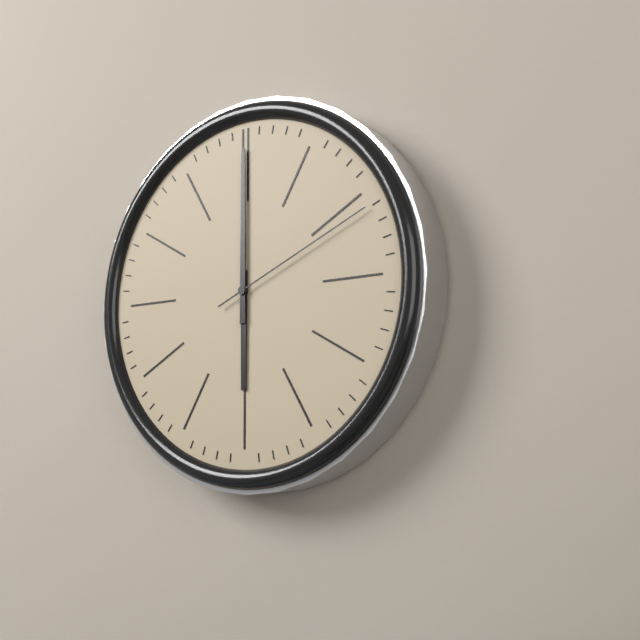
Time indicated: 6:00:11
